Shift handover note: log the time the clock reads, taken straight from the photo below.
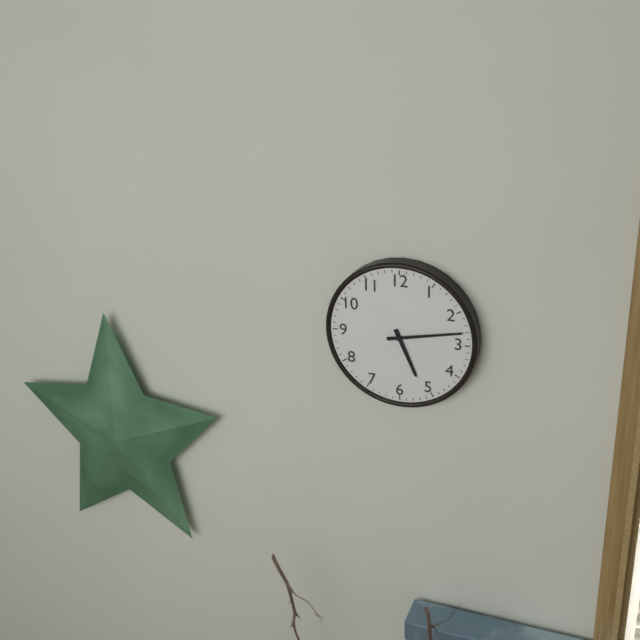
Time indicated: 5:13
